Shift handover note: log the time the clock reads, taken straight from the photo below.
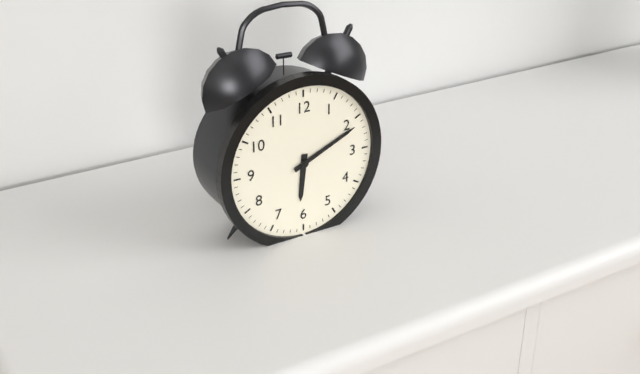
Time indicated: 6:11
